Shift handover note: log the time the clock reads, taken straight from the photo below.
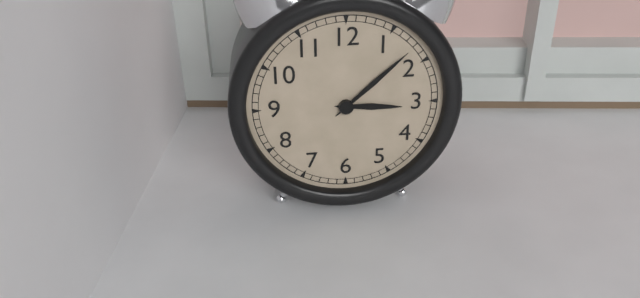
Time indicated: 3:08
